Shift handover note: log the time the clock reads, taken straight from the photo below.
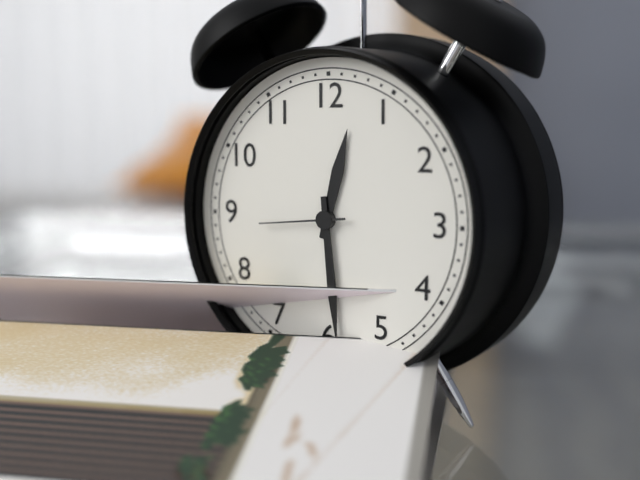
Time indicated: 12:29:44
